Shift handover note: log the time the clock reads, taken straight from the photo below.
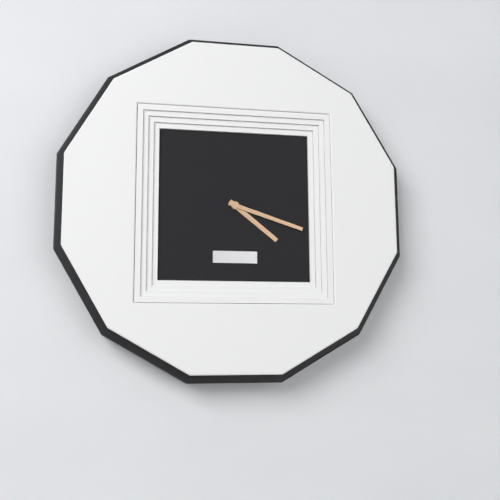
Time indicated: 4:18
